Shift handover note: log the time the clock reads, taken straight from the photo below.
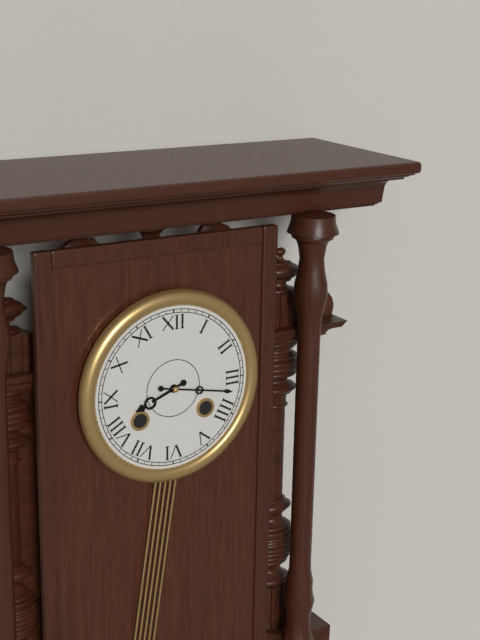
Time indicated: 8:17
